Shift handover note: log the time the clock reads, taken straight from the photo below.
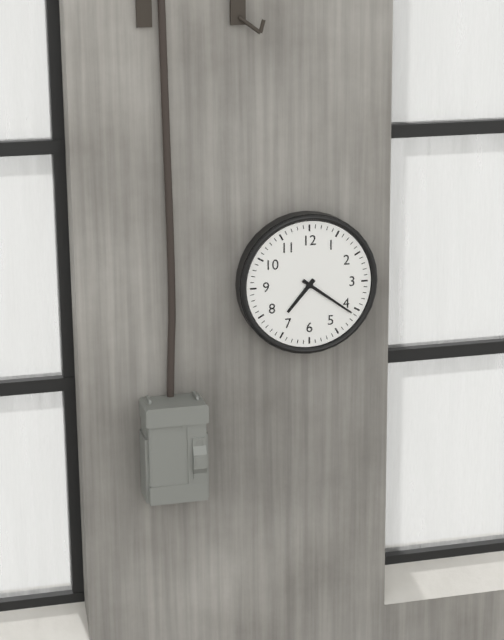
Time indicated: 7:21
